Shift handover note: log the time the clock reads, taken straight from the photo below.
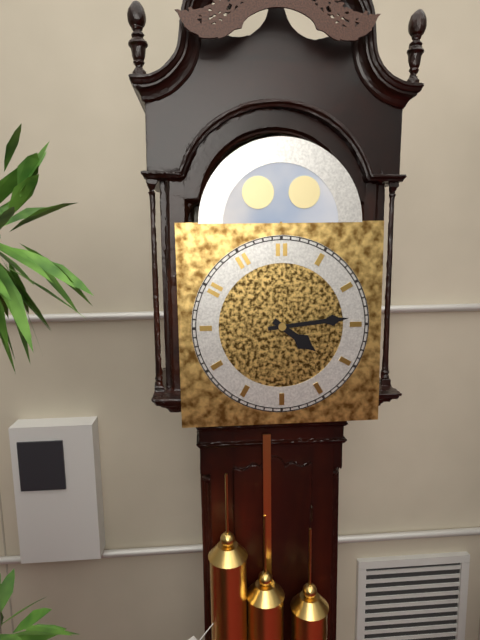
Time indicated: 4:14
